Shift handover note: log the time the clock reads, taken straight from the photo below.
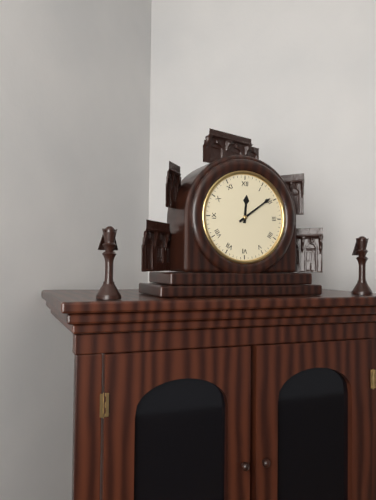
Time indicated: 12:09
